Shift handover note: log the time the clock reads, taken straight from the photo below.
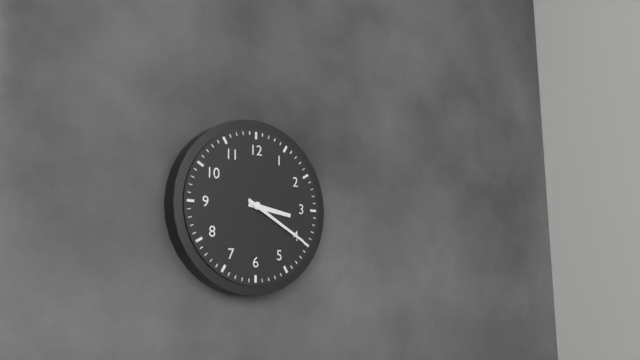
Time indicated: 3:20
